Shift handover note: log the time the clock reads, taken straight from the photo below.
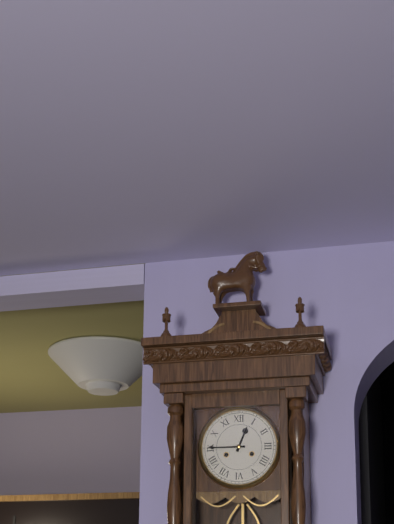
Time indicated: 12:45
